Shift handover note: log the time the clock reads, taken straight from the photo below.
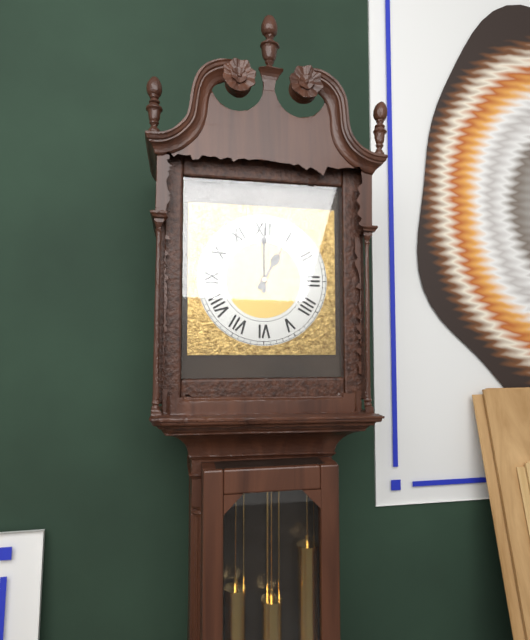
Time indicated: 1:00
